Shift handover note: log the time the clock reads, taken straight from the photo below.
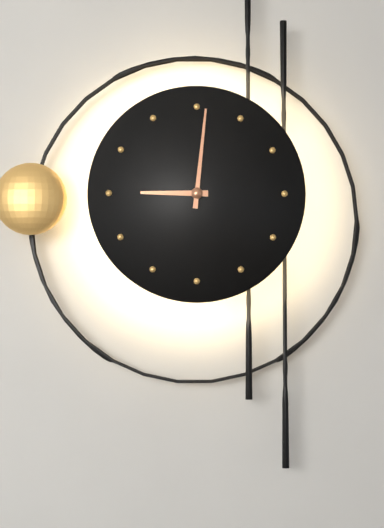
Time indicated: 9:01
